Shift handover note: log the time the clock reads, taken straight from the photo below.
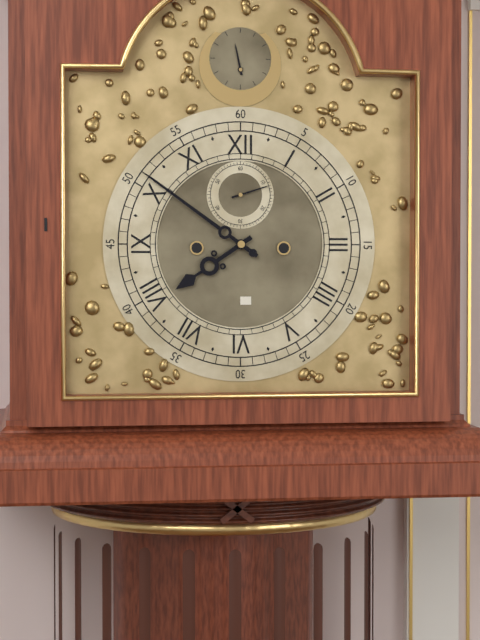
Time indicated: 7:51
